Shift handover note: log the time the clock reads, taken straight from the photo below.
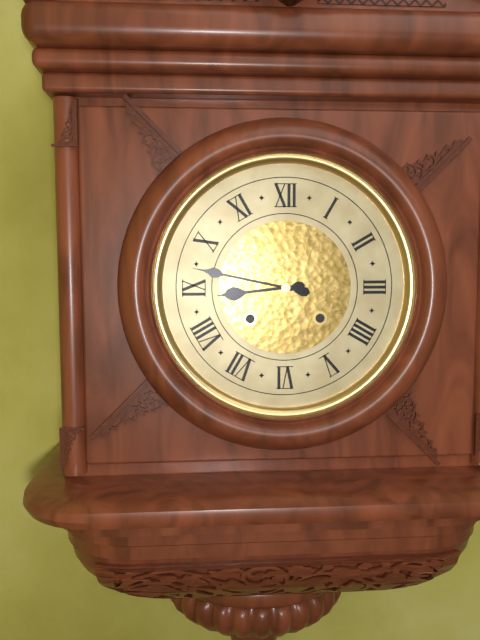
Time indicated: 8:47
